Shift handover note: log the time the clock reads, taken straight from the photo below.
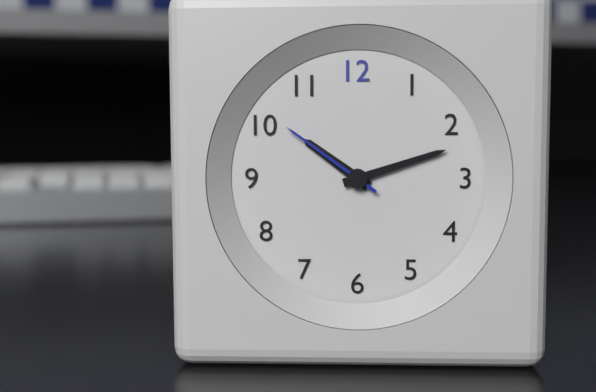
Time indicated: 10:12:51
